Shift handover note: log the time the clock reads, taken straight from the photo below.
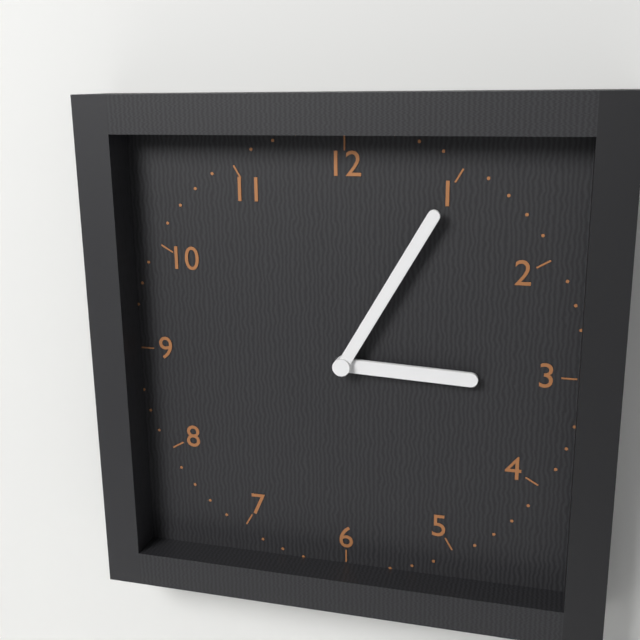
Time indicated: 3:05
